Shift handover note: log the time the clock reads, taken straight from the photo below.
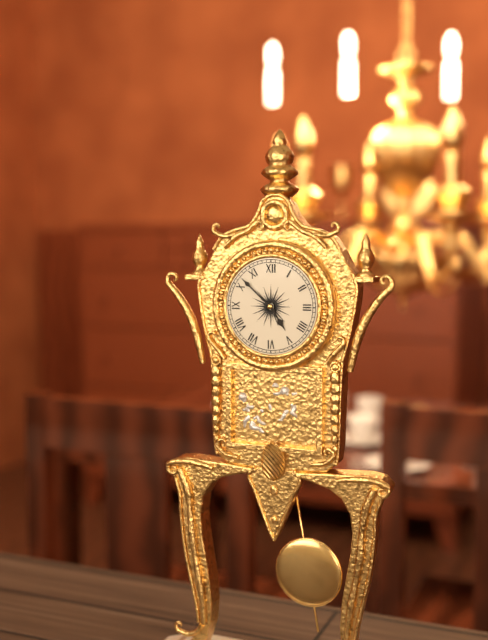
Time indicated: 4:52
